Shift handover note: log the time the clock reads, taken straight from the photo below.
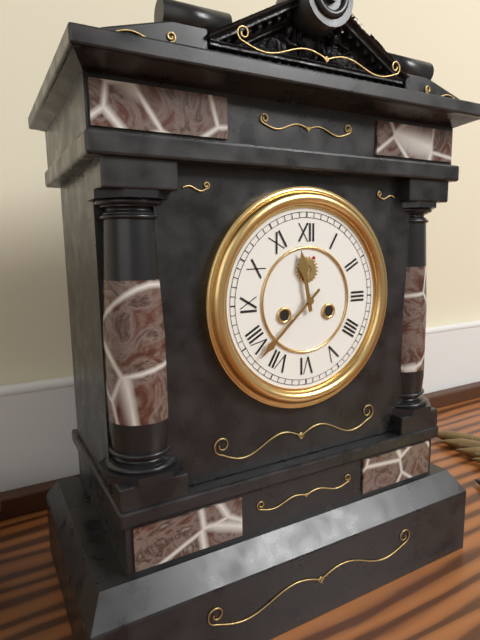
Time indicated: 11:38
